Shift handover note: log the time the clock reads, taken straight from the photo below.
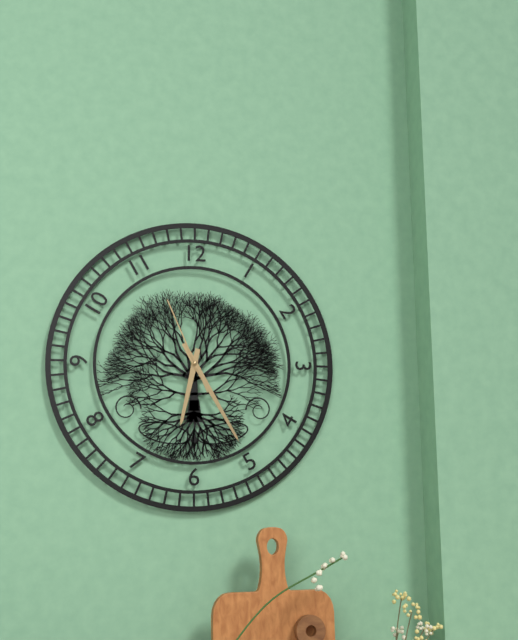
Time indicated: 6:25:56
